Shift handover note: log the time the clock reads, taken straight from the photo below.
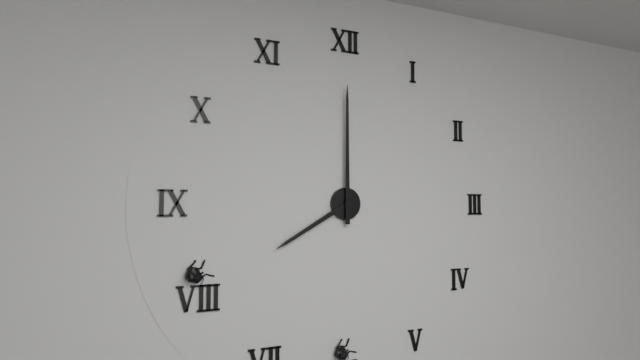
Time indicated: 8:00
